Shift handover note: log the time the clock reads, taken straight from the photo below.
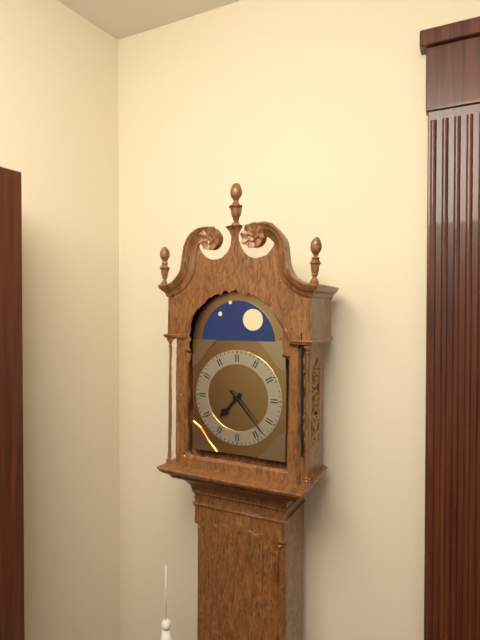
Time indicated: 7:23
